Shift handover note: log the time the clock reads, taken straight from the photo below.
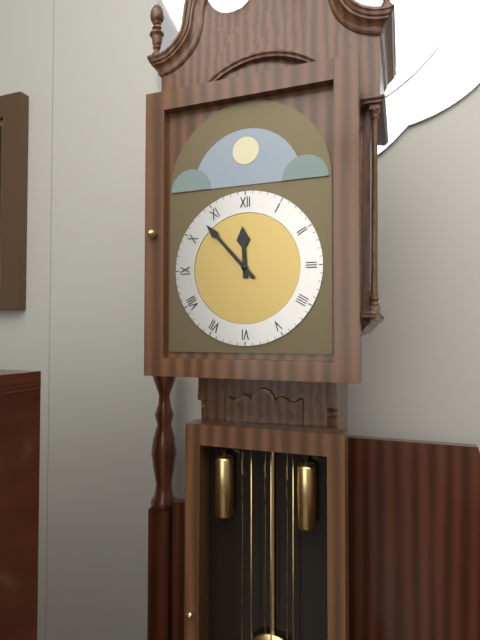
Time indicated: 11:53
